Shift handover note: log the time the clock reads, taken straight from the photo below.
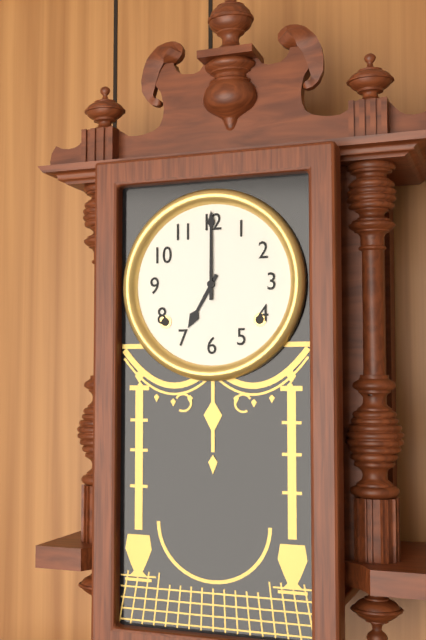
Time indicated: 7:00
